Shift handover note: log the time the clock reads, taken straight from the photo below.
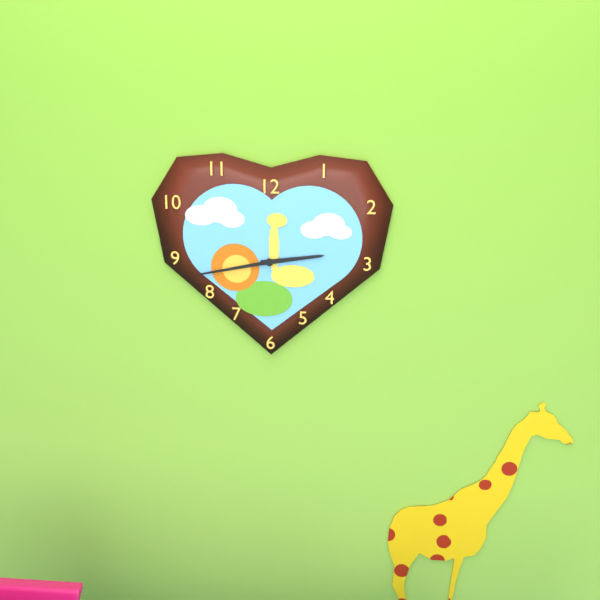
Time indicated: 2:43
